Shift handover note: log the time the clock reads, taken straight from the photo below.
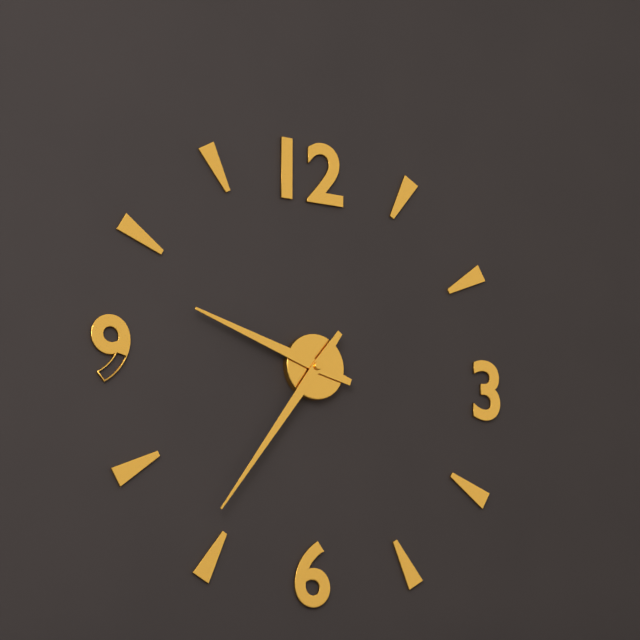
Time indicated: 9:36
